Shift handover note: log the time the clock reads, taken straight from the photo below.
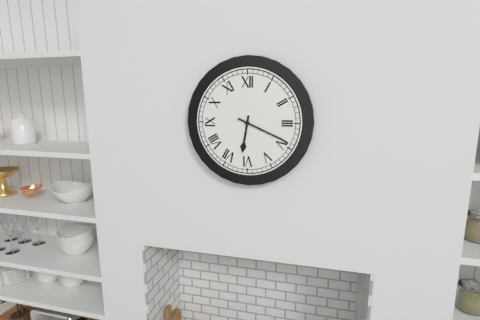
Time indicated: 6:19
